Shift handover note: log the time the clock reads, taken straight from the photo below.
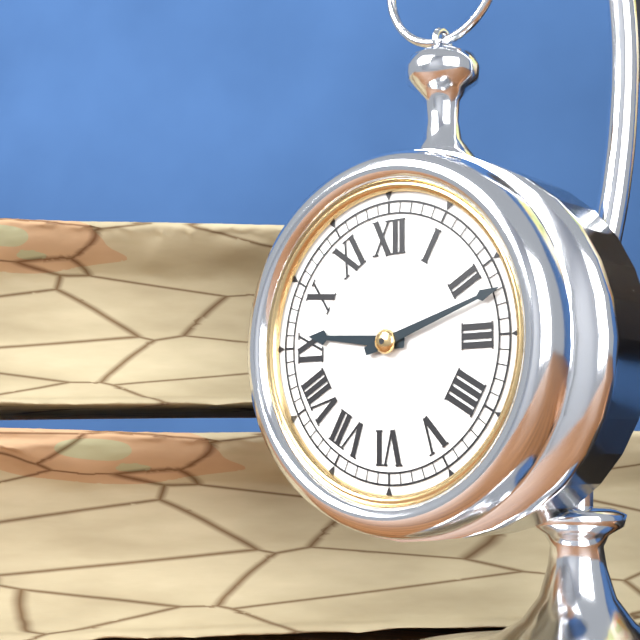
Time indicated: 9:12
